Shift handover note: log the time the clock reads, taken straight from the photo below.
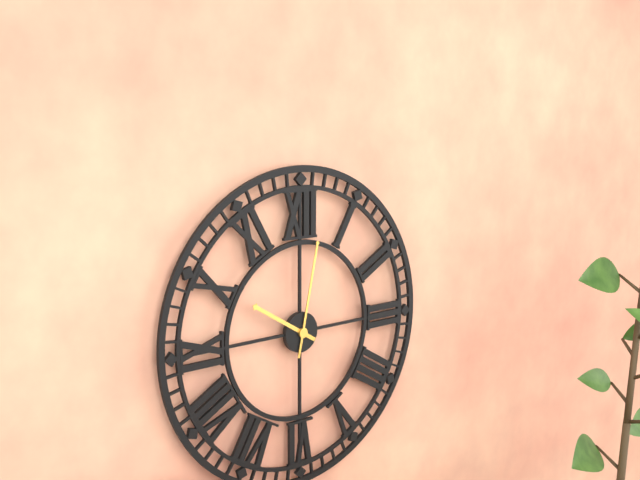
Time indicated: 10:02
